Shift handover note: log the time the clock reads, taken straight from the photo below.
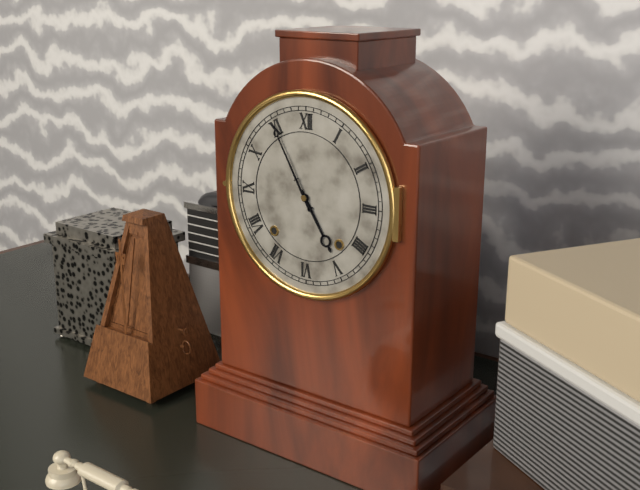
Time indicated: 4:55
